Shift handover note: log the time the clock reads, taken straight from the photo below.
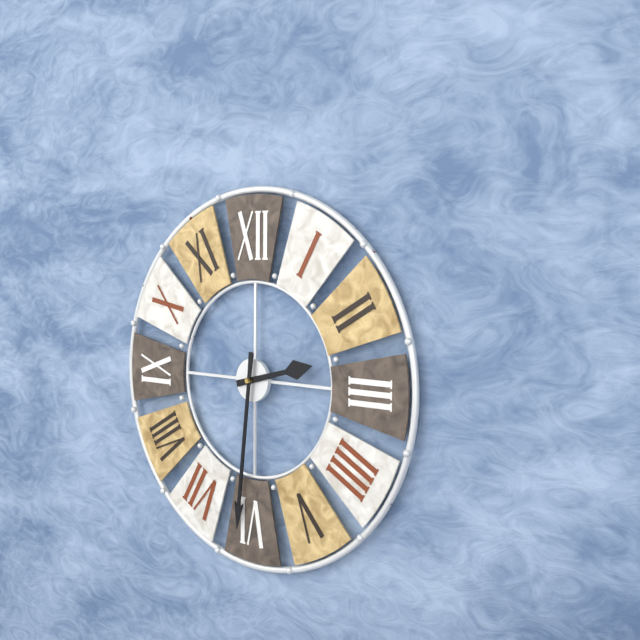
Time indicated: 2:31
